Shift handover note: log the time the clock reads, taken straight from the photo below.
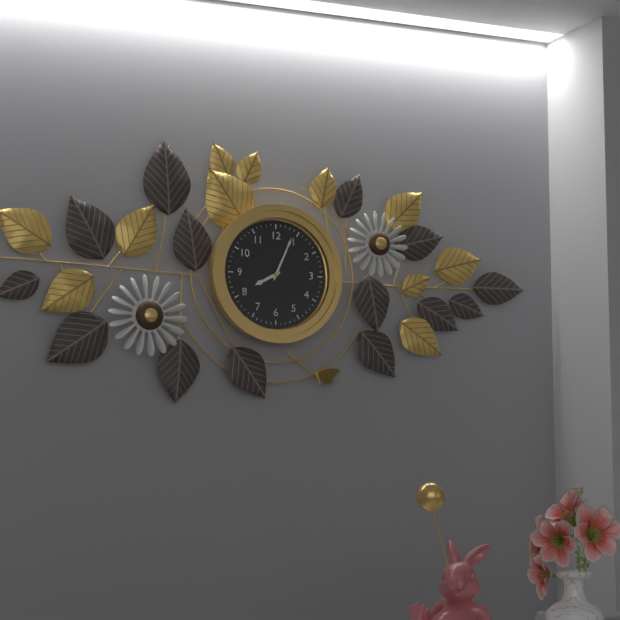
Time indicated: 8:04
